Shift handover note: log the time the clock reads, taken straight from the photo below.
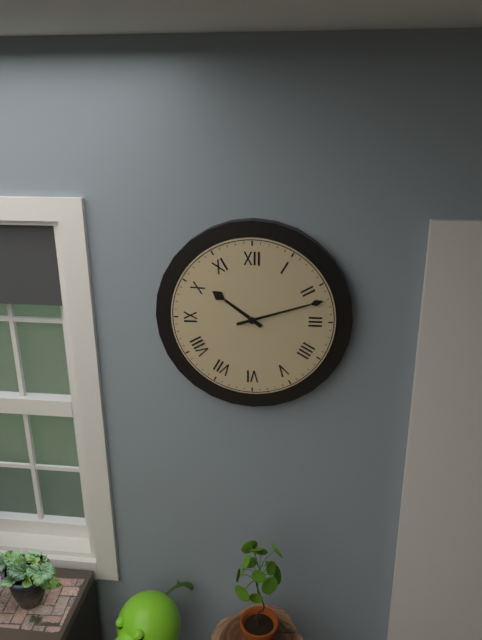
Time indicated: 10:12
